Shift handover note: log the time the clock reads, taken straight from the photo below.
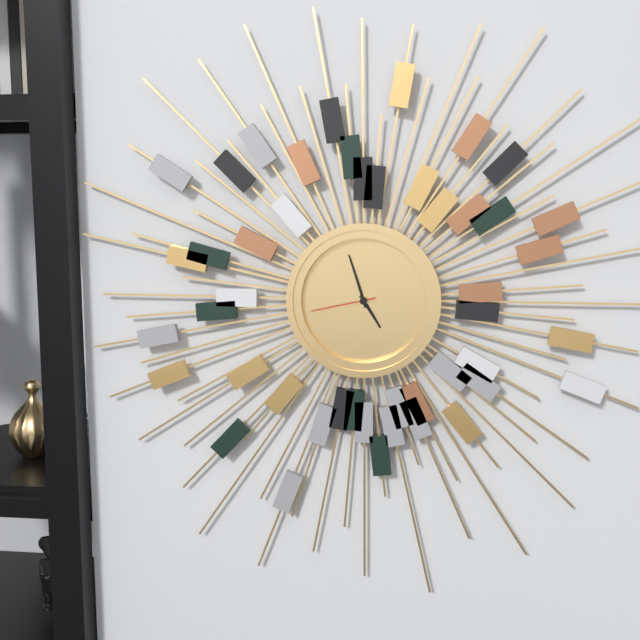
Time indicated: 4:57:43
